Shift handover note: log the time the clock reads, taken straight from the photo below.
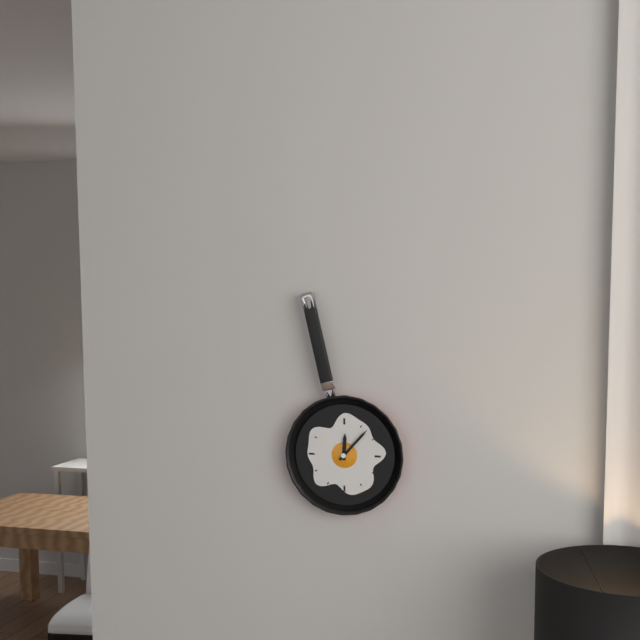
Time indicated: 12:07
